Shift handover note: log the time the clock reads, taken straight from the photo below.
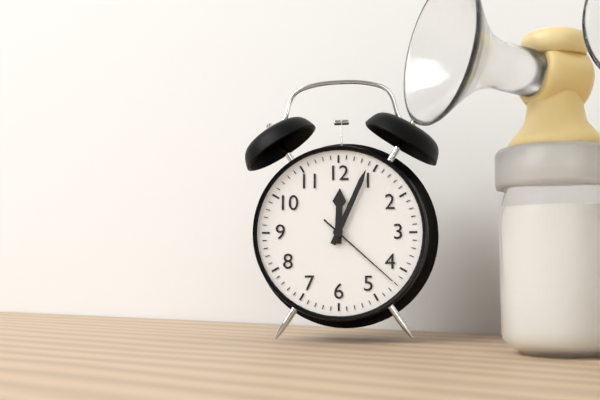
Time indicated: 12:04:22
